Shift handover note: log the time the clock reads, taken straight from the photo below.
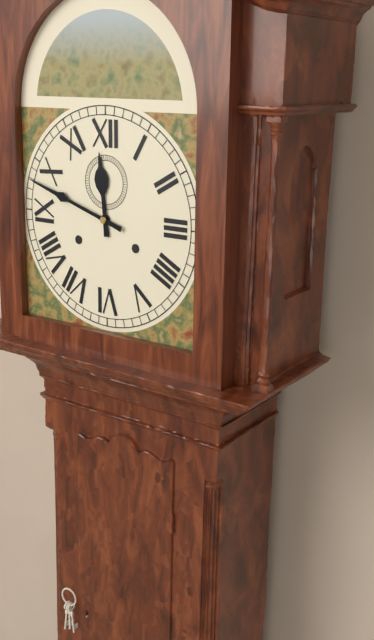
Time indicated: 11:48
